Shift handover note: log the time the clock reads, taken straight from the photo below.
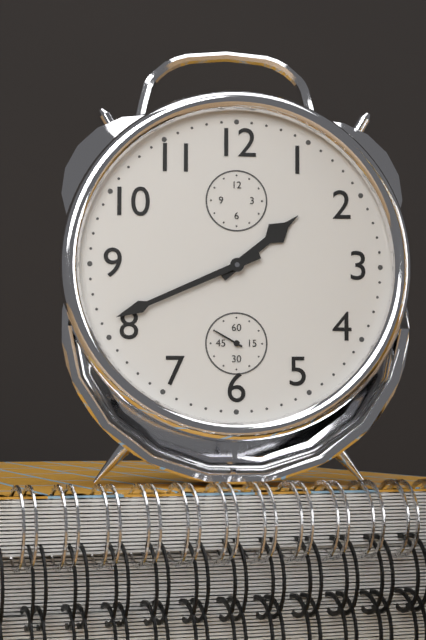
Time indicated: 1:41
